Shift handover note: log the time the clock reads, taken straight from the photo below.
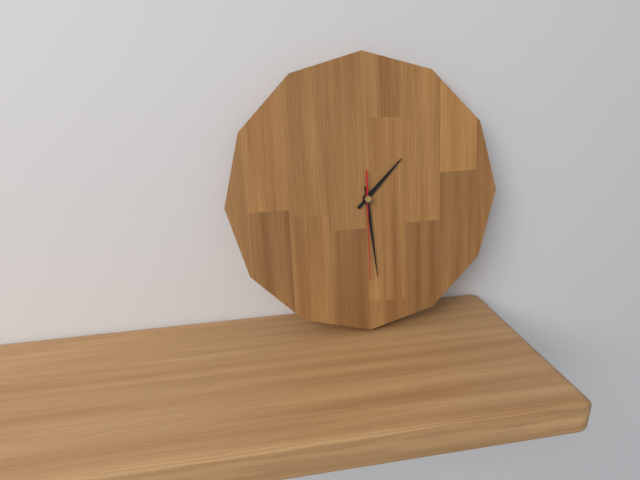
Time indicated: 1:29:30
